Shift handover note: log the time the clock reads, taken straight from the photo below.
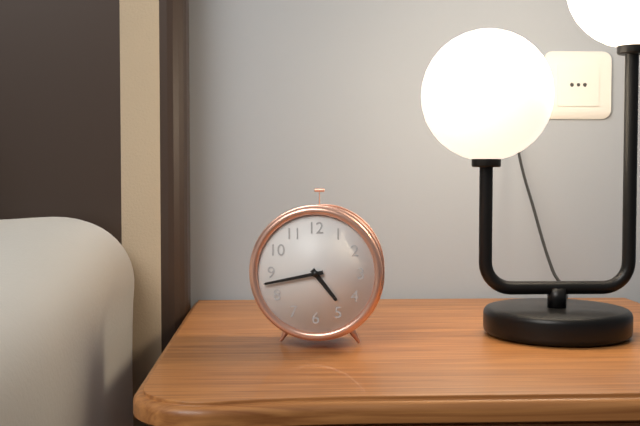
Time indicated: 4:43
